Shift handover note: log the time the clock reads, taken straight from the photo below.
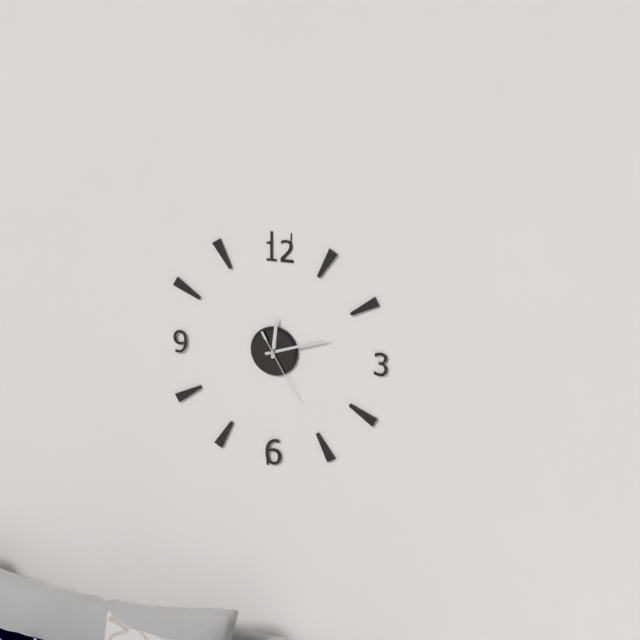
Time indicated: 12:12:25
